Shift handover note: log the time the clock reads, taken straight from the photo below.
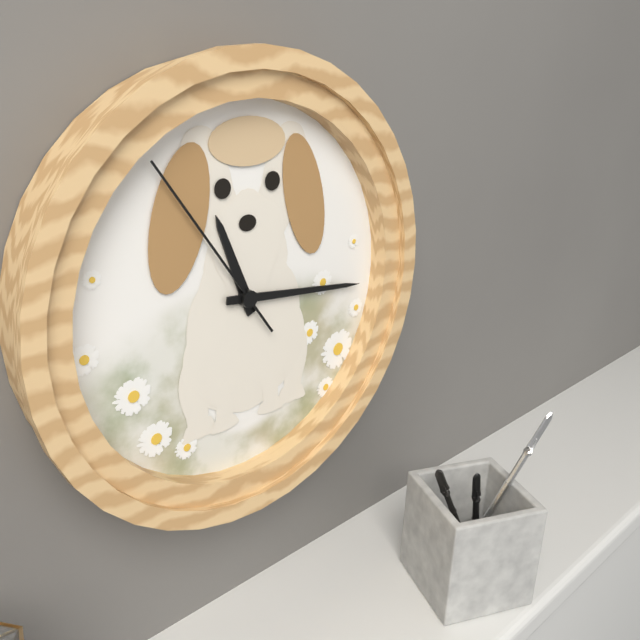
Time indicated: 11:16:54
